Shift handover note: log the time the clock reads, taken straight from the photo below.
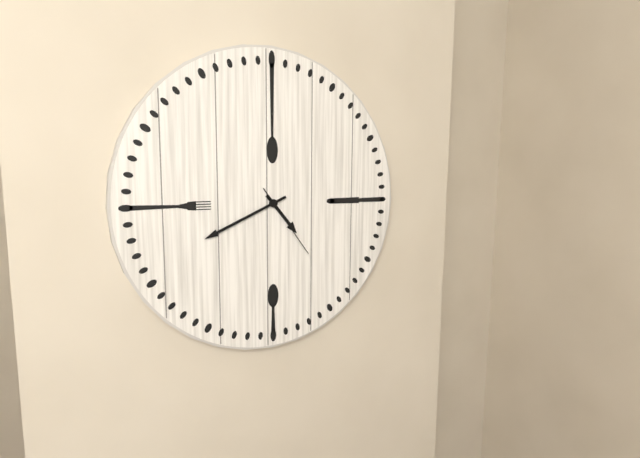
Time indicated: 4:41:24
